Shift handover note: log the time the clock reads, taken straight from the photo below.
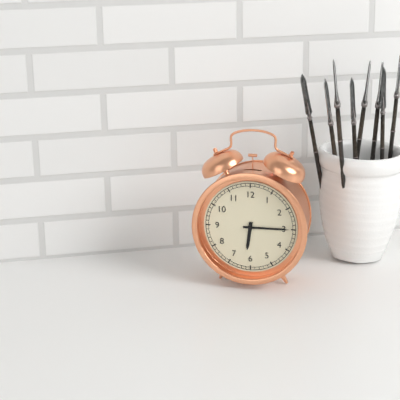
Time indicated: 6:15
